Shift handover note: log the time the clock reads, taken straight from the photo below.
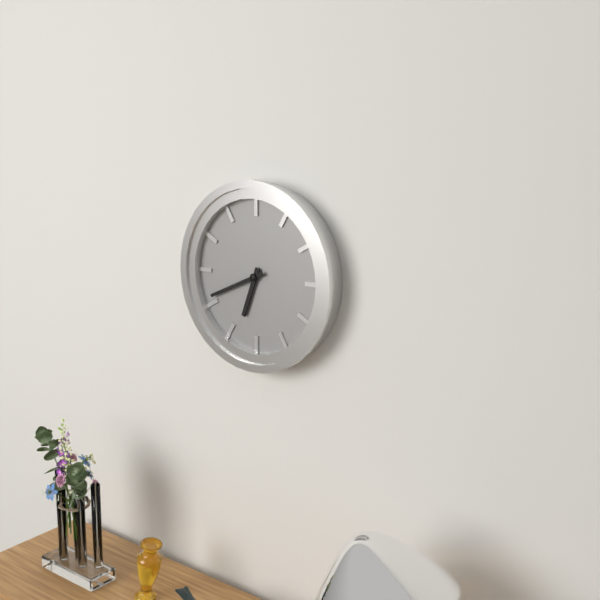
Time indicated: 6:41
